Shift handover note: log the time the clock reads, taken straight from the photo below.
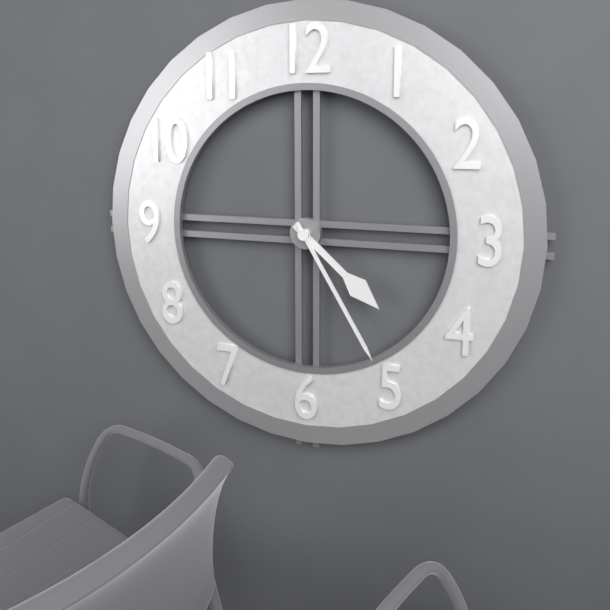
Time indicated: 4:25
